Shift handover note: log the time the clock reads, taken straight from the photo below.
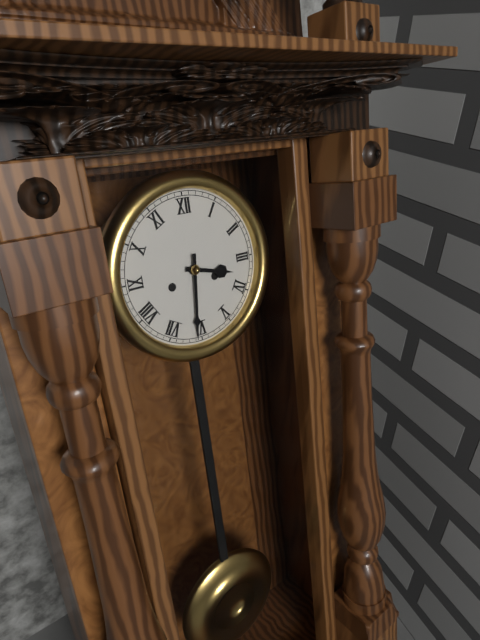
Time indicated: 3:31
